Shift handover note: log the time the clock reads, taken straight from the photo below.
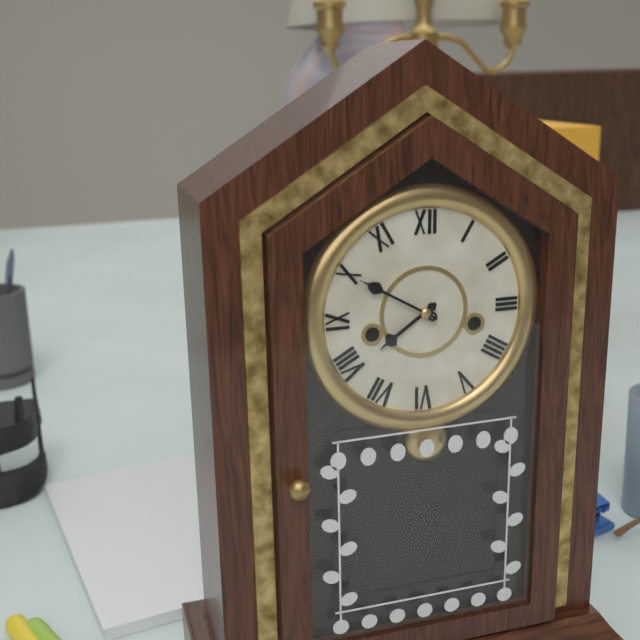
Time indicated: 7:50
